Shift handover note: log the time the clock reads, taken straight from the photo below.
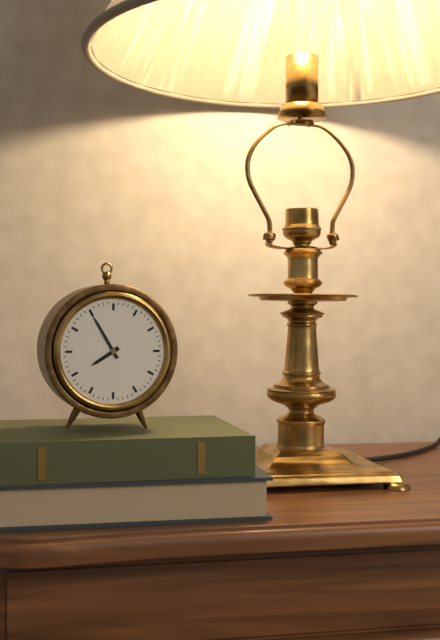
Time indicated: 7:55
